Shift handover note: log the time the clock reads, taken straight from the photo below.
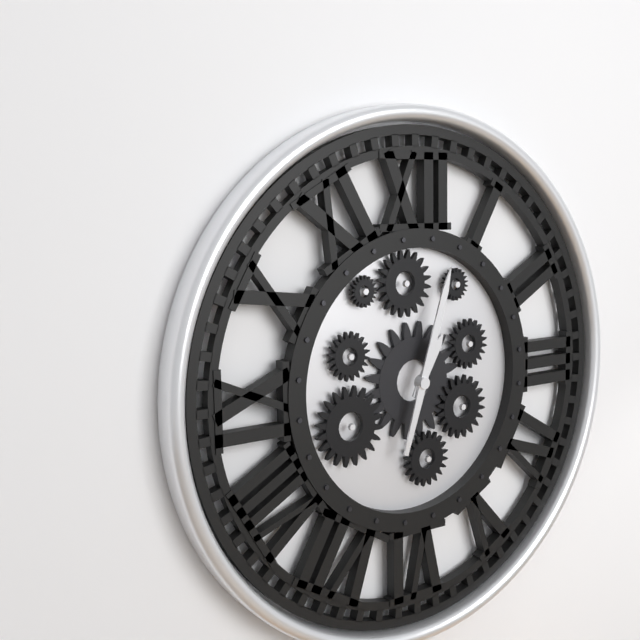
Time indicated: 1:03
